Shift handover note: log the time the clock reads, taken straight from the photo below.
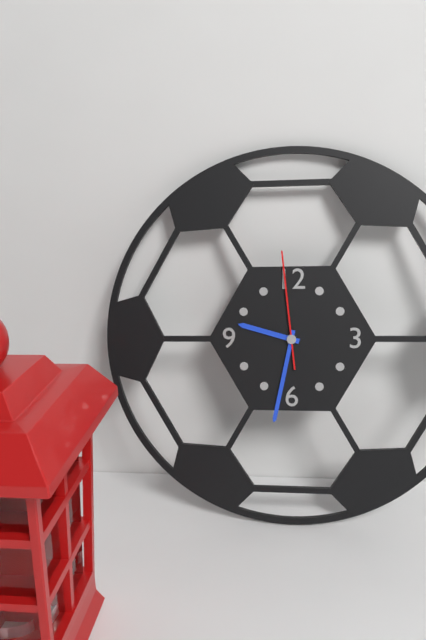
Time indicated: 9:32:59
